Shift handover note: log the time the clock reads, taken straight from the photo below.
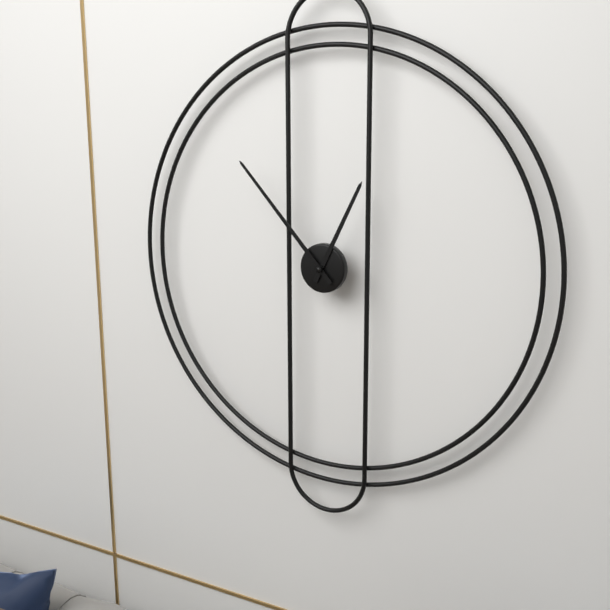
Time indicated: 12:53
